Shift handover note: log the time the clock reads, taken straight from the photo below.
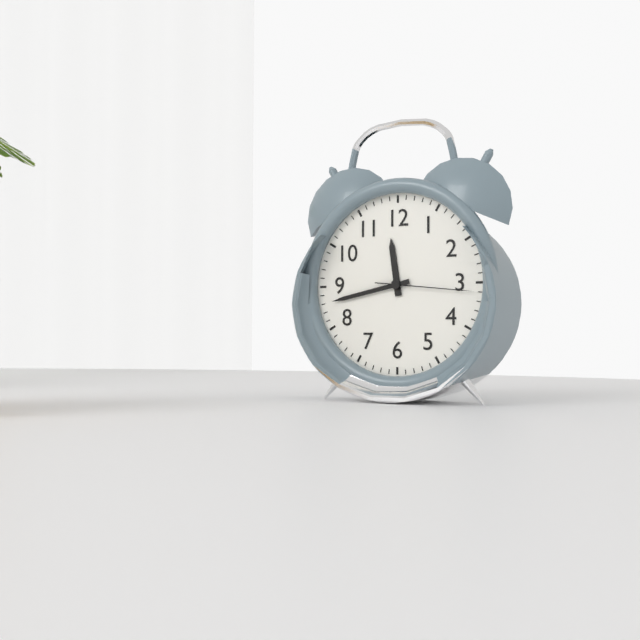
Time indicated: 11:43:16
